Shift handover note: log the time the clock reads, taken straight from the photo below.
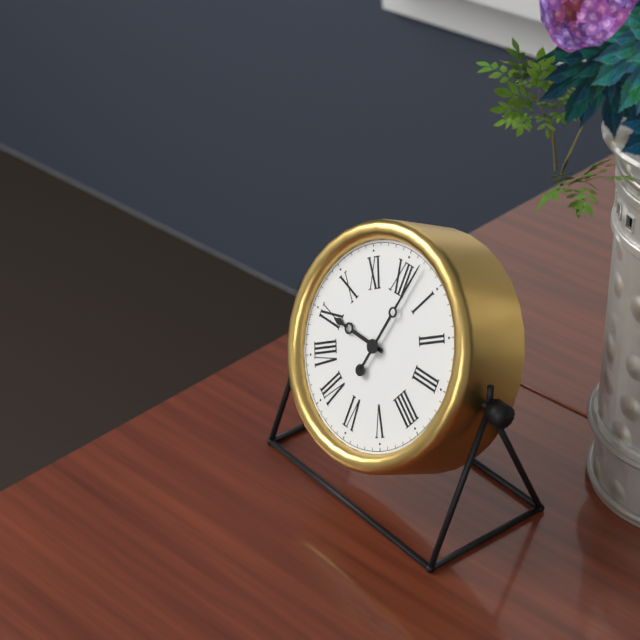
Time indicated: 9:02
